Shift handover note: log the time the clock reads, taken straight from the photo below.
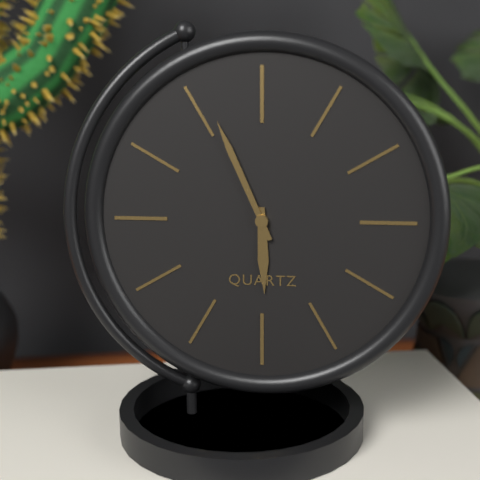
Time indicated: 5:56
